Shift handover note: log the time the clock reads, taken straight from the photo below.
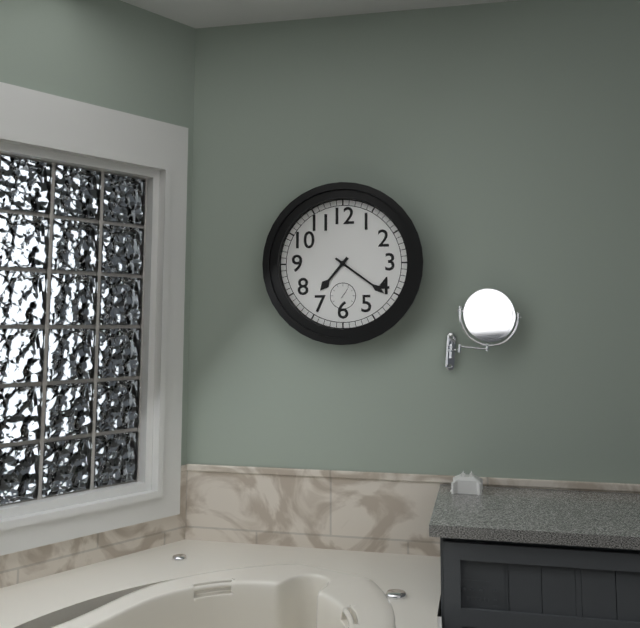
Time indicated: 7:21
